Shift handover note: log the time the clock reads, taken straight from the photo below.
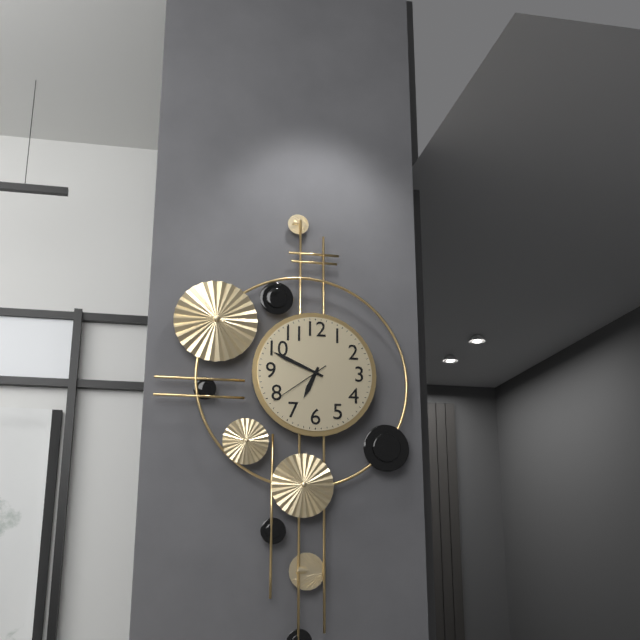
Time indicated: 6:49:39
